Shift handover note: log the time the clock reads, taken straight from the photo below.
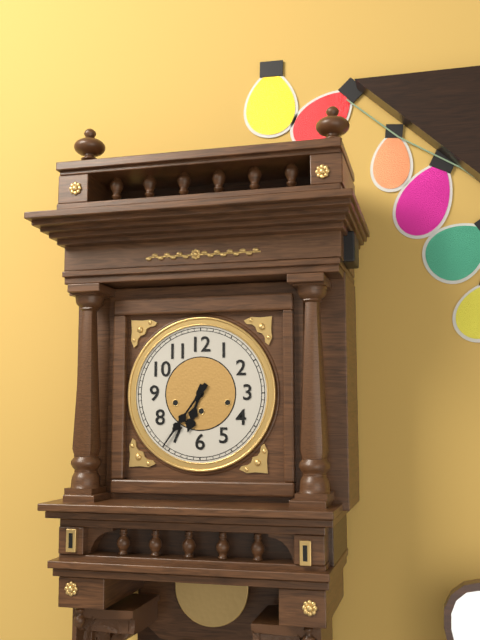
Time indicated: 6:36
